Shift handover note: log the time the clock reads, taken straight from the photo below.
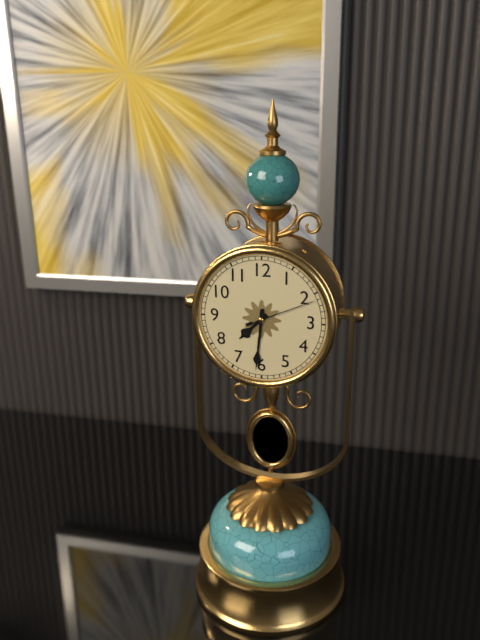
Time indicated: 7:31:11
